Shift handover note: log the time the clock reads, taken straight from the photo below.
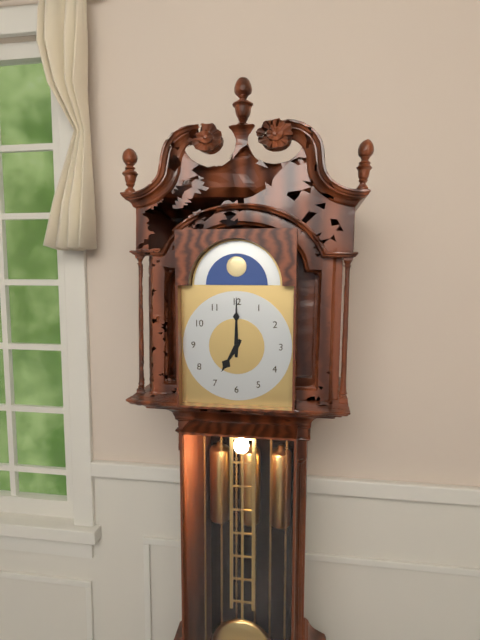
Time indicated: 7:00
